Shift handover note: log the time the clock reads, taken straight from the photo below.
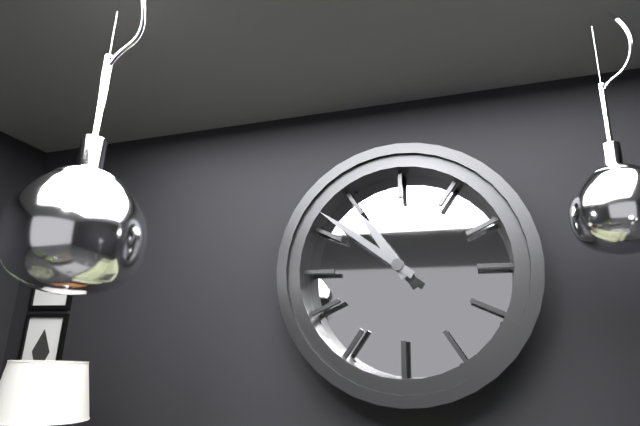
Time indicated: 10:51
